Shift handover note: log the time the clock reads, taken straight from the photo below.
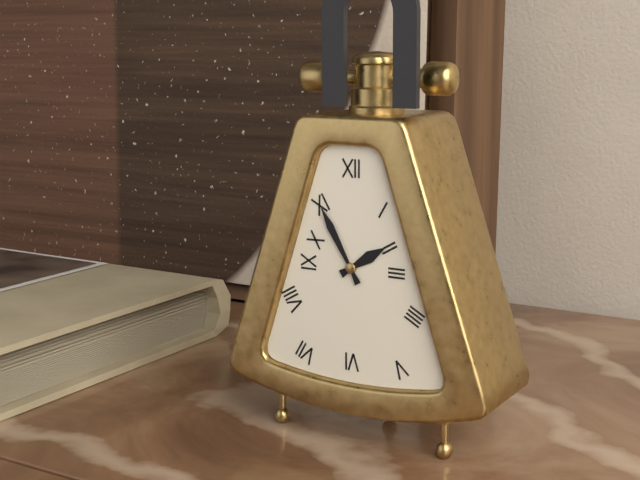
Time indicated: 1:55
